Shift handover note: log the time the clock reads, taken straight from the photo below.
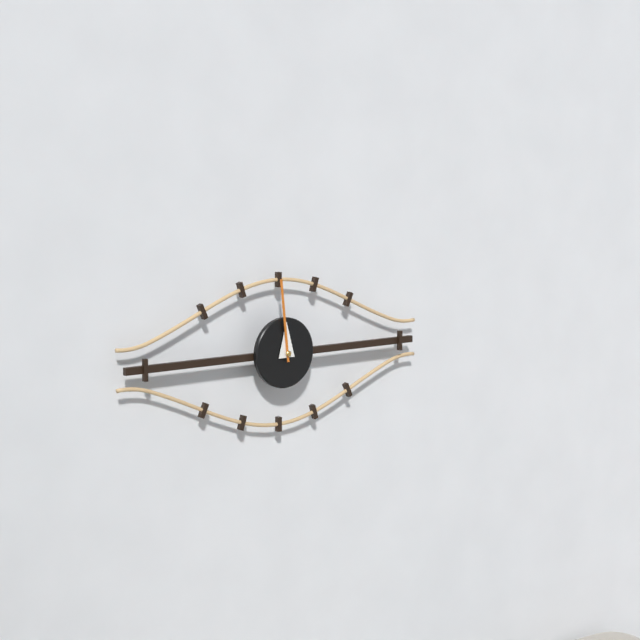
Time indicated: 11:59
